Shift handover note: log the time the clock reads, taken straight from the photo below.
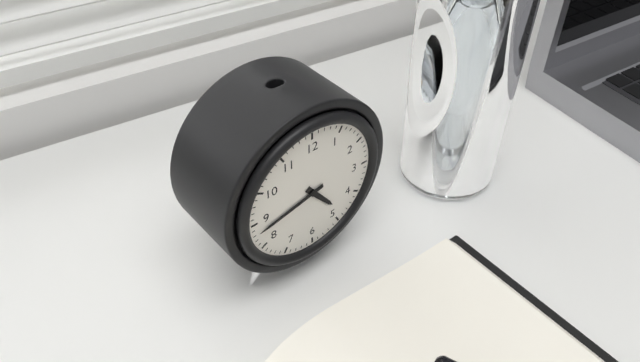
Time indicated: 4:43
